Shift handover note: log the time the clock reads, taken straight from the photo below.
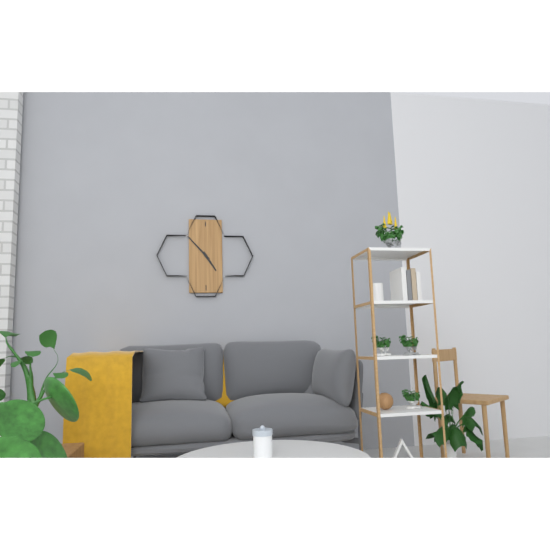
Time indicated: 4:53
